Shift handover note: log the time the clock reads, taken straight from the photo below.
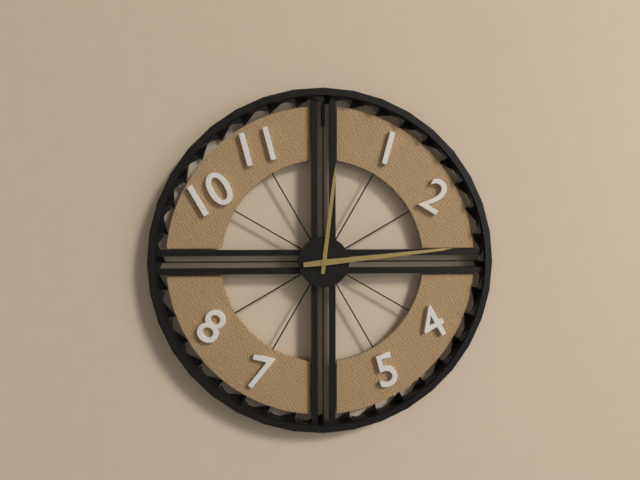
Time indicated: 12:14
